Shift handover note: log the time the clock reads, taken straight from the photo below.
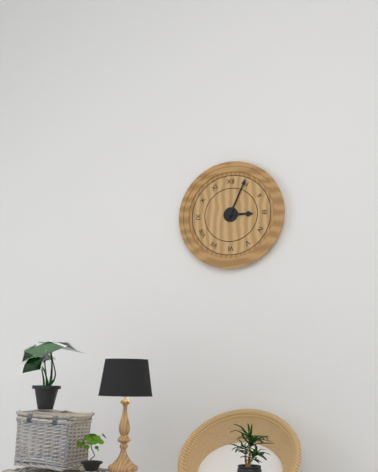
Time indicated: 3:04
